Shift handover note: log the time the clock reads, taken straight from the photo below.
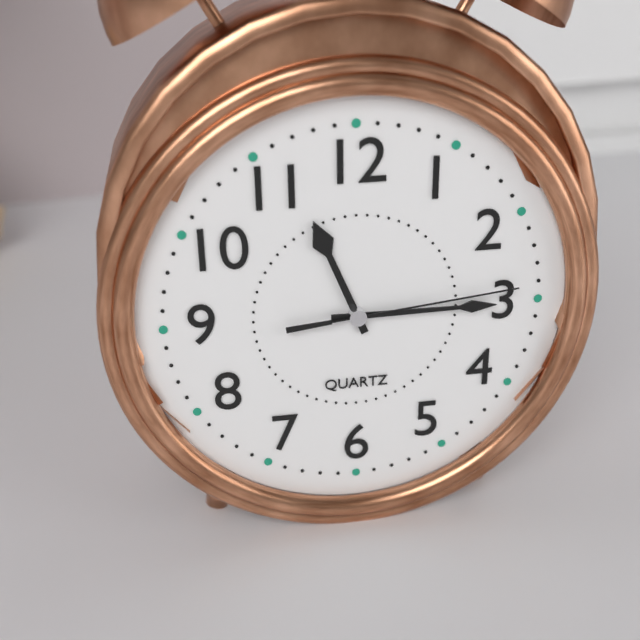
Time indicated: 11:15:14
